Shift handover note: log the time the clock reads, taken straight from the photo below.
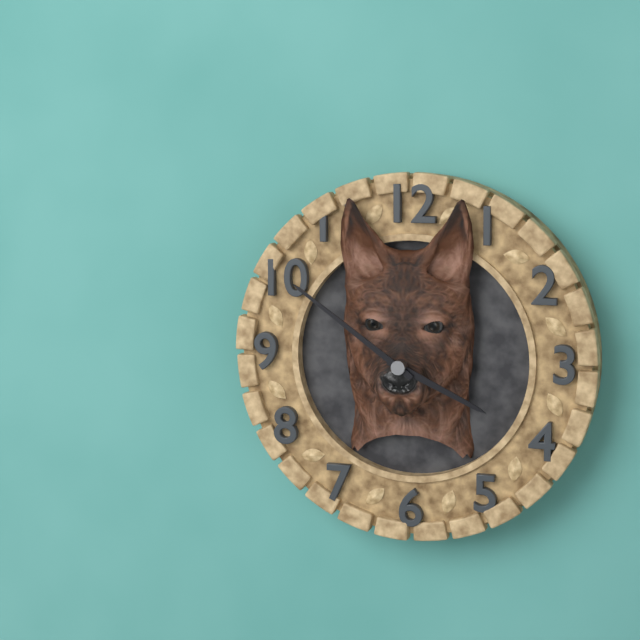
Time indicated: 3:51
